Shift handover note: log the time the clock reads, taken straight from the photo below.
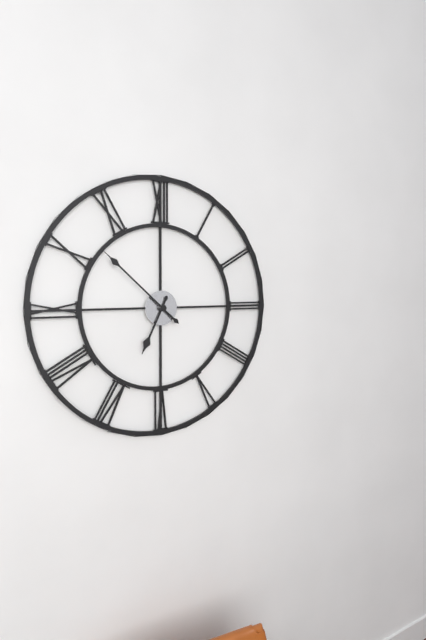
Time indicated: 6:52
